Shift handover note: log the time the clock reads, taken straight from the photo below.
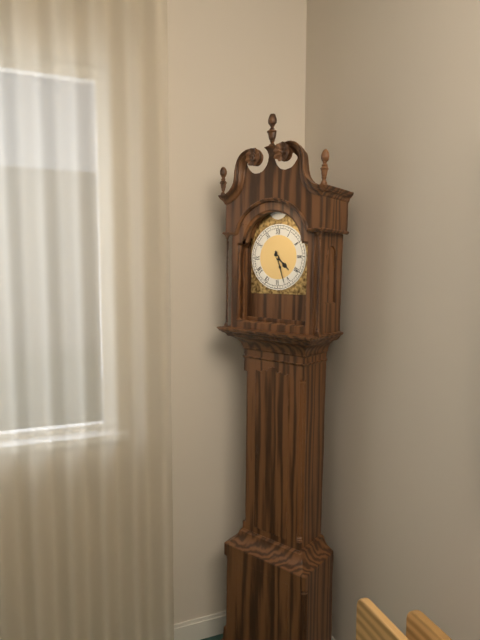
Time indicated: 4:27
